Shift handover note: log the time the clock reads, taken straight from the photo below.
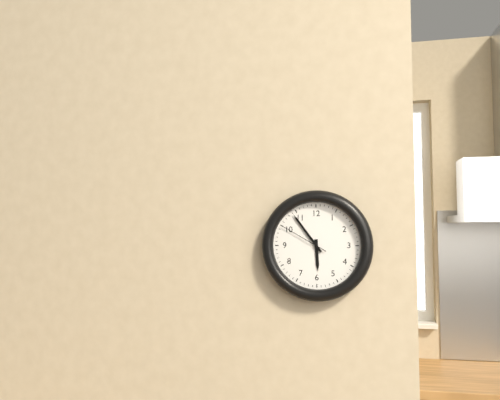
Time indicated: 5:54:50
